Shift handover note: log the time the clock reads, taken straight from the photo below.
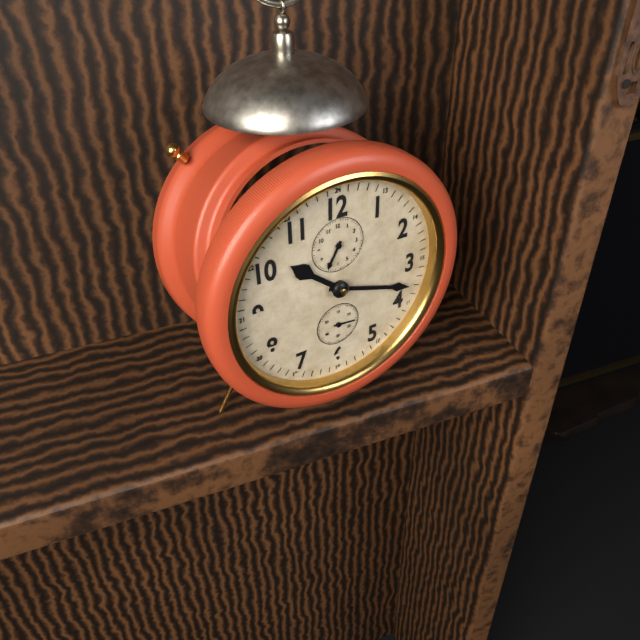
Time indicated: 10:18
